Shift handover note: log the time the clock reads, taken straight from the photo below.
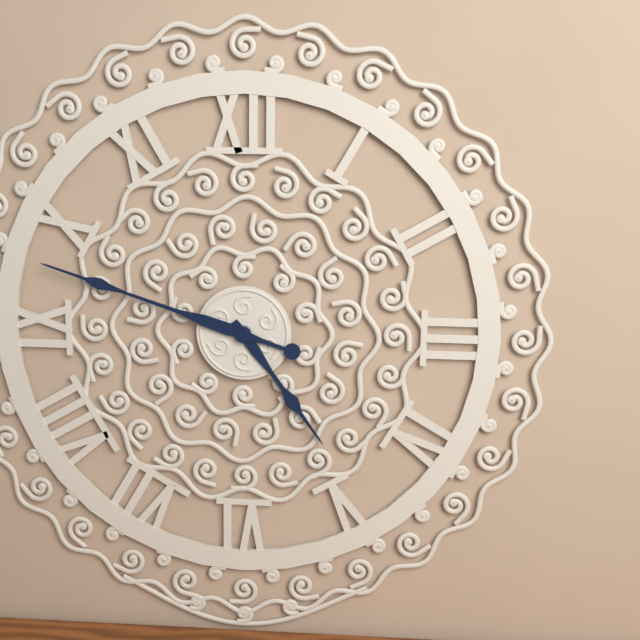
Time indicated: 4:48
